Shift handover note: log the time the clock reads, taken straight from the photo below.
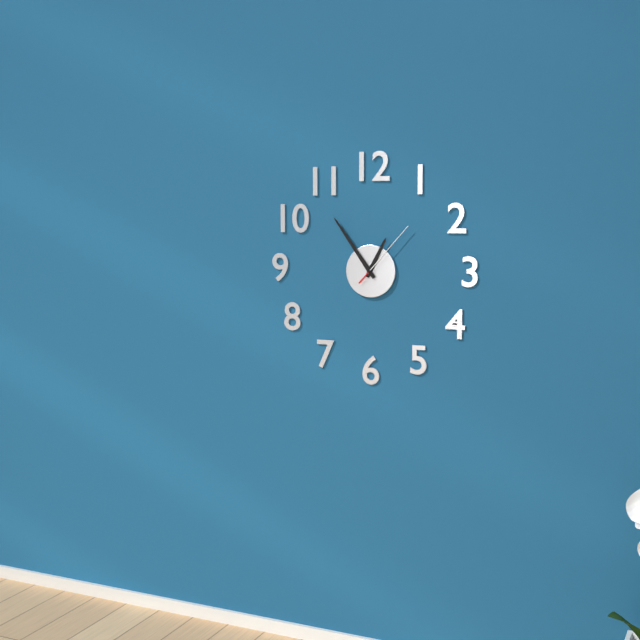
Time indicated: 12:54:07
